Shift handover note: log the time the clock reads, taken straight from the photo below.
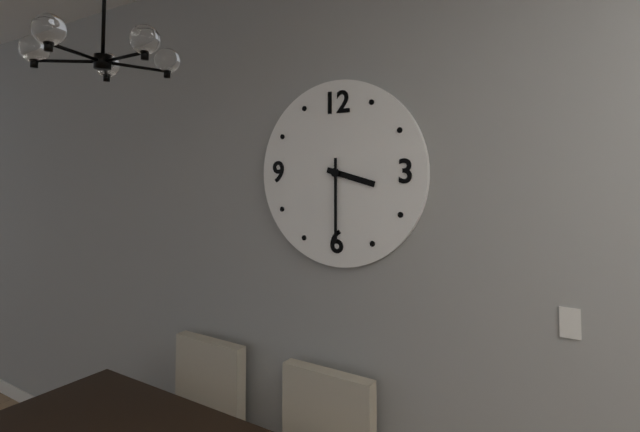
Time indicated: 3:30
